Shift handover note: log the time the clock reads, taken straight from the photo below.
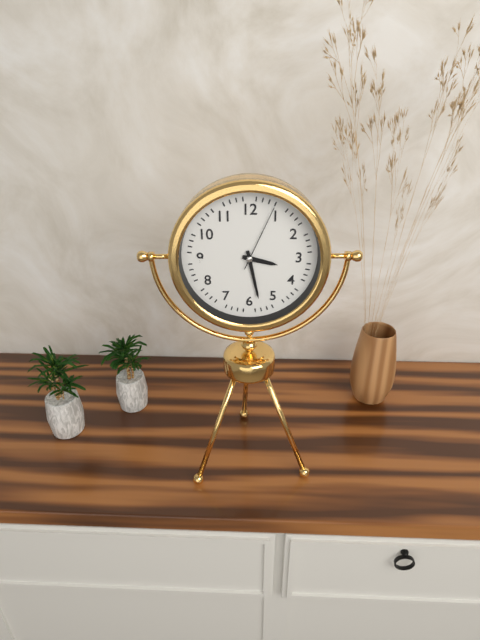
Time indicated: 3:28:04
